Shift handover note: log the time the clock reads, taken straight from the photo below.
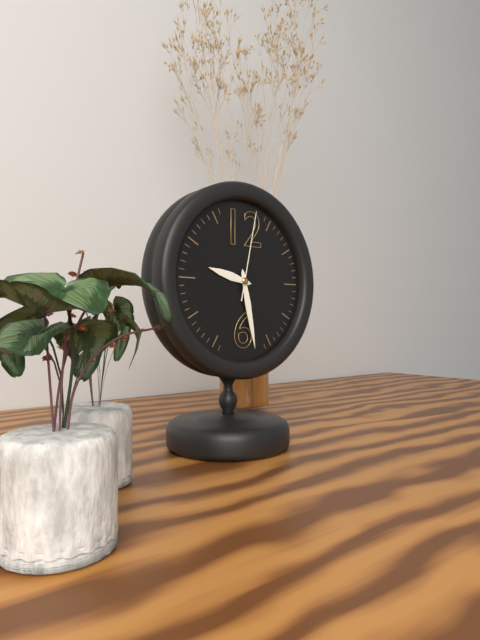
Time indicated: 9:28:02
